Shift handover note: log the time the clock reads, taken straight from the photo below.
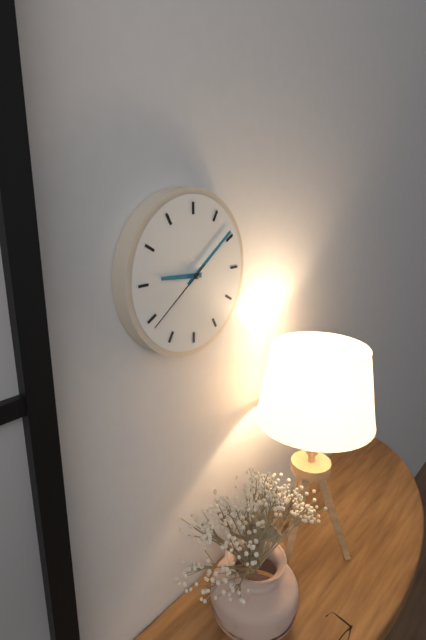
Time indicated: 9:09:39
